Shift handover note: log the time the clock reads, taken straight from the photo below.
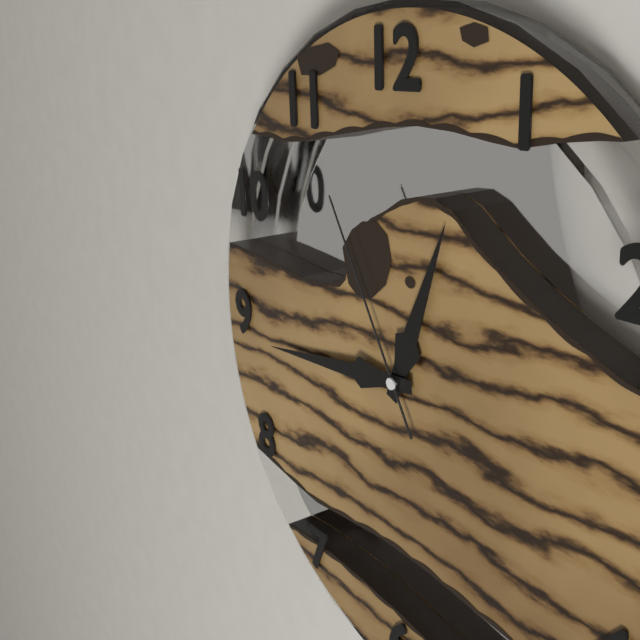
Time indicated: 12:44:55
